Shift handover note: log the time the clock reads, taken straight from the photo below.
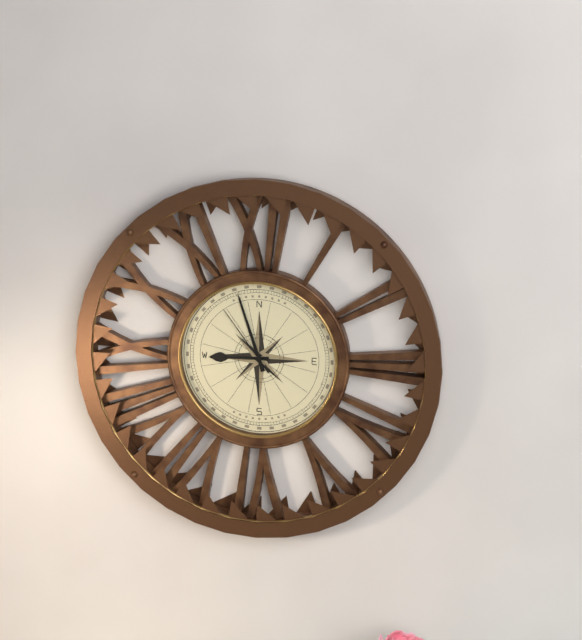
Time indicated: 8:57:54
